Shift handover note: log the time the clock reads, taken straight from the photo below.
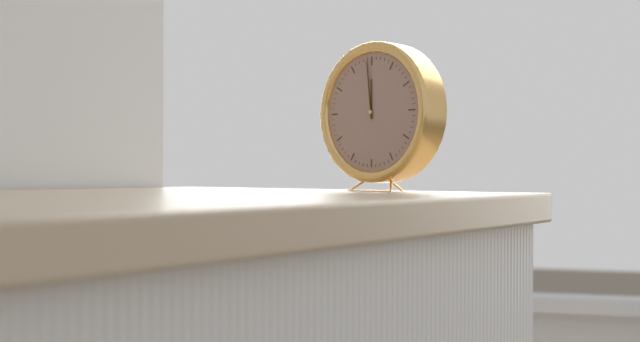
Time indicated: 11:59
